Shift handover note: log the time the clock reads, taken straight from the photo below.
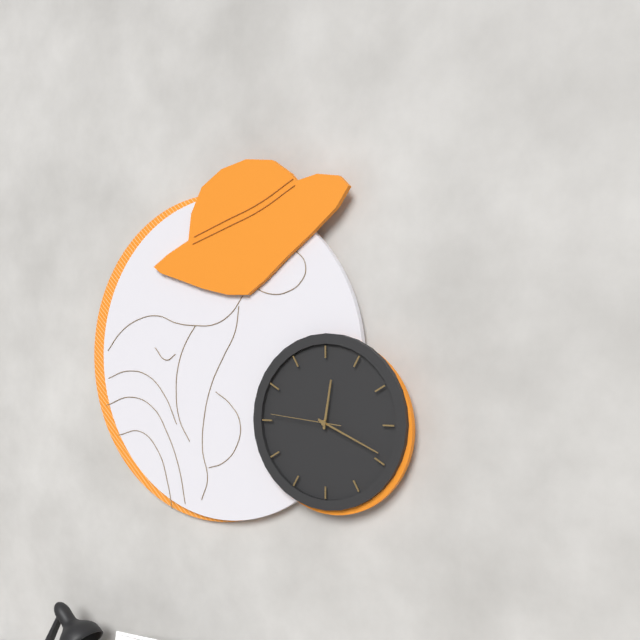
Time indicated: 12:19:46
